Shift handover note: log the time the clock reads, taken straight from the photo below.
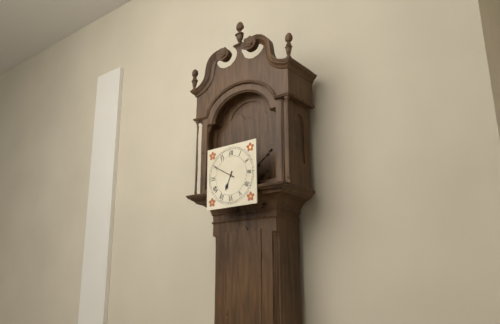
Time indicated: 6:50
